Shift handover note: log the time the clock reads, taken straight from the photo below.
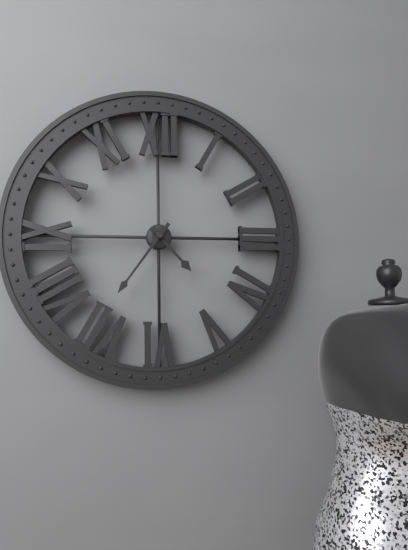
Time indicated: 4:36
